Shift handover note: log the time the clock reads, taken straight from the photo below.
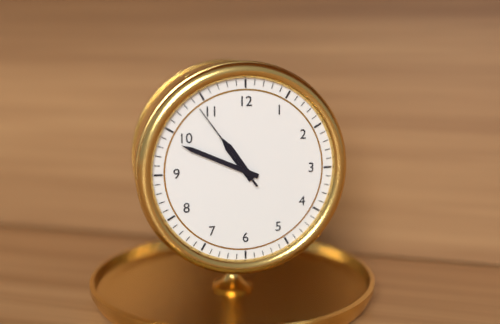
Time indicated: 10:49:54
